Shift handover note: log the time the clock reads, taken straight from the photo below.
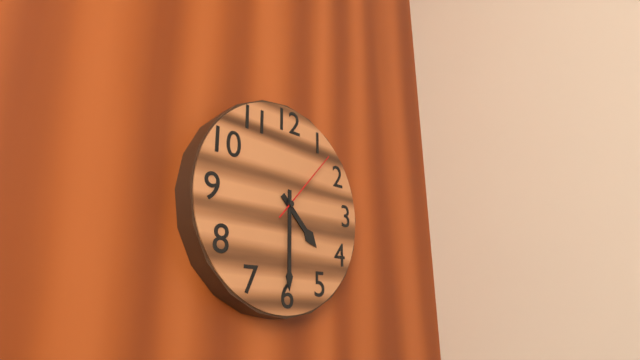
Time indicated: 4:30:07
